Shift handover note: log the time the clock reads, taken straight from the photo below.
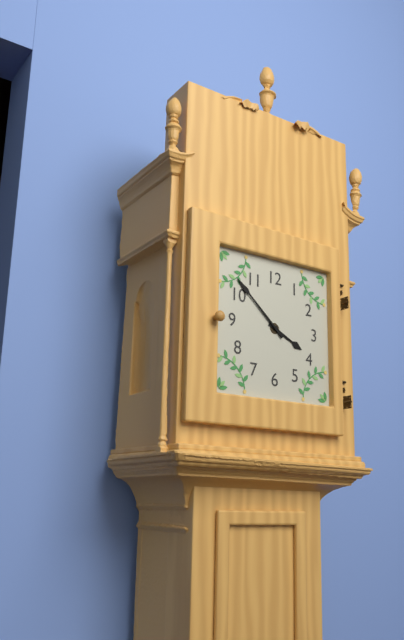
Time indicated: 3:52
